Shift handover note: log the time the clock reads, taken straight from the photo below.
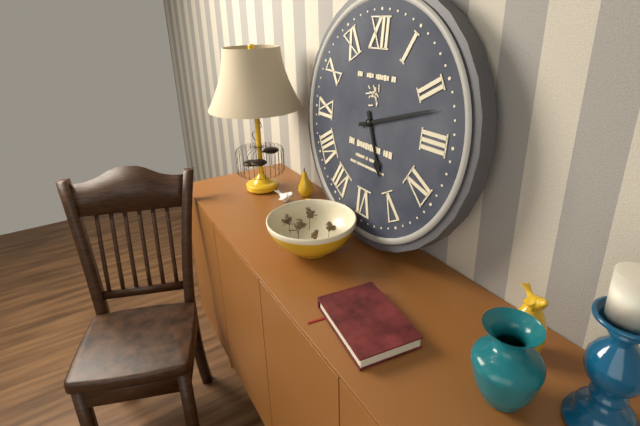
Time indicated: 5:12
